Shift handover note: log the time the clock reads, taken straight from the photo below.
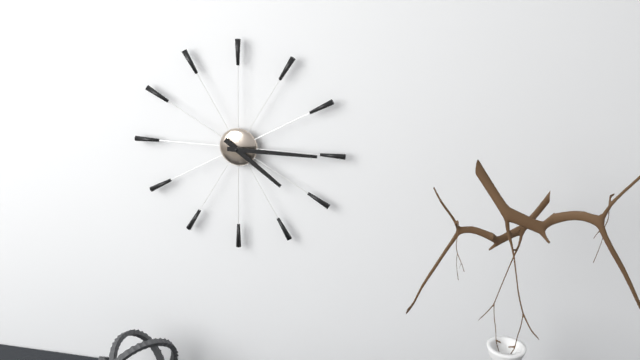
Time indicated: 4:15
